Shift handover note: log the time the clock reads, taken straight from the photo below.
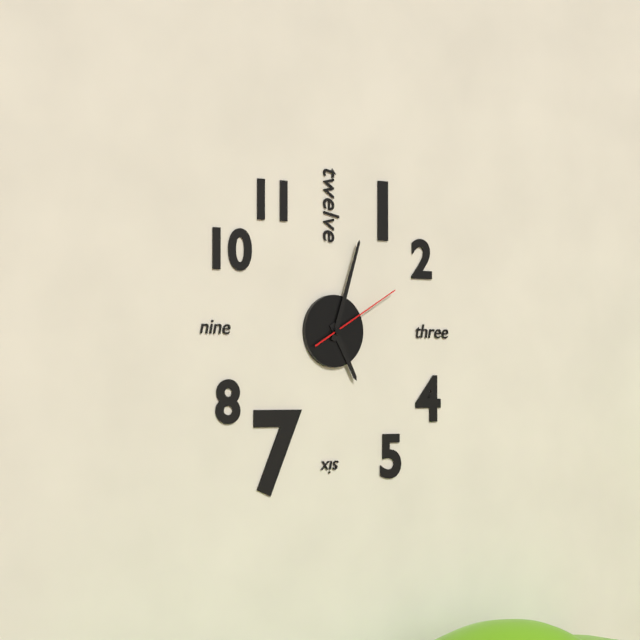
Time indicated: 5:03:10
